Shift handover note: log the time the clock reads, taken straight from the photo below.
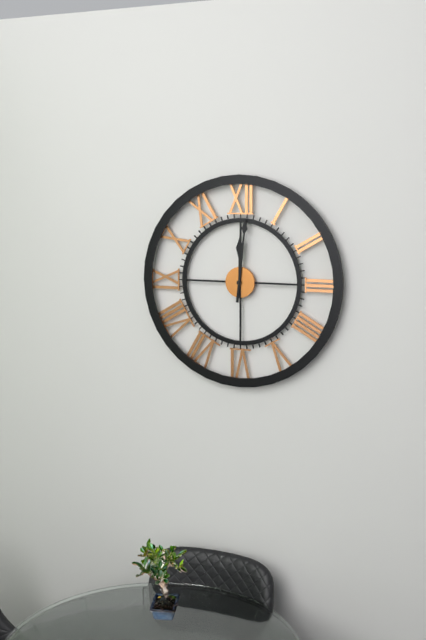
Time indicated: 12:01
